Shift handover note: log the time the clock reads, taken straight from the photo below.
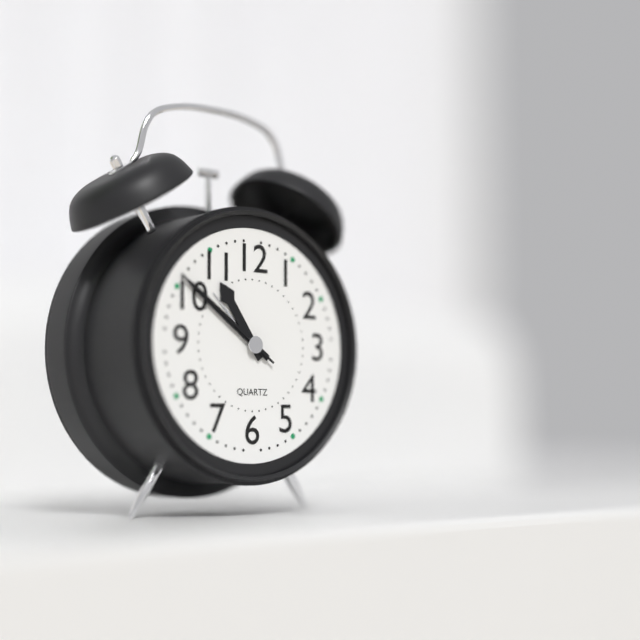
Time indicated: 10:51:51
